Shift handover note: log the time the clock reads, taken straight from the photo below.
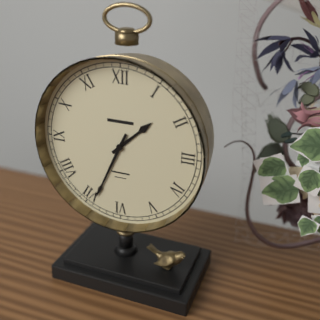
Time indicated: 1:34
